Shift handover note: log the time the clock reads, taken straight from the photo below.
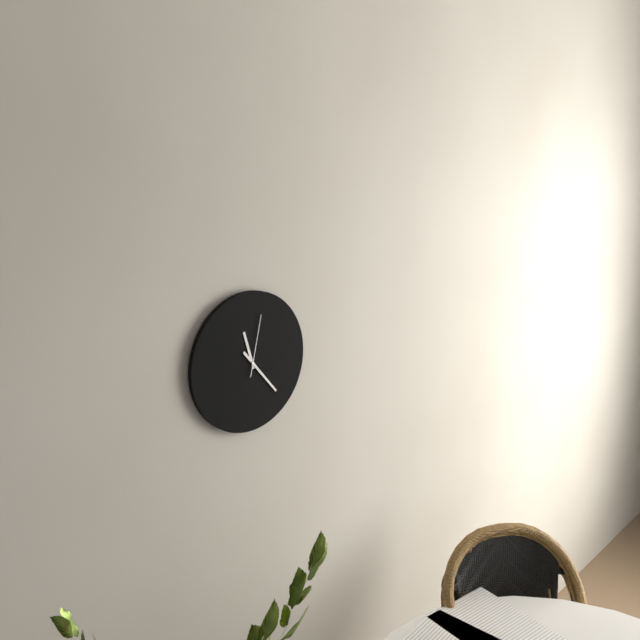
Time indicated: 11:23:02
